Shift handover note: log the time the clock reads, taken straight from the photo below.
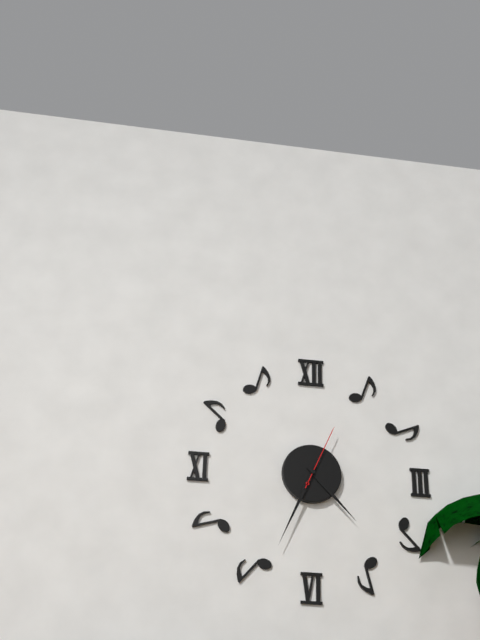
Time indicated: 4:34:04
